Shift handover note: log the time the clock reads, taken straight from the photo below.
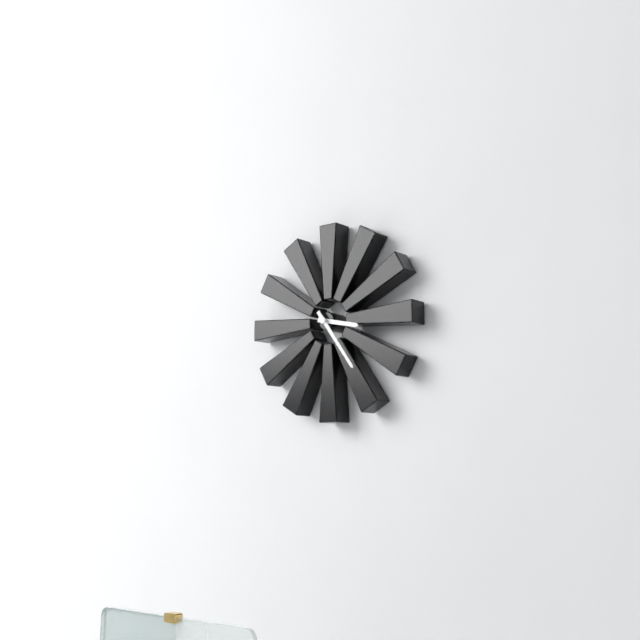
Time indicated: 3:24
